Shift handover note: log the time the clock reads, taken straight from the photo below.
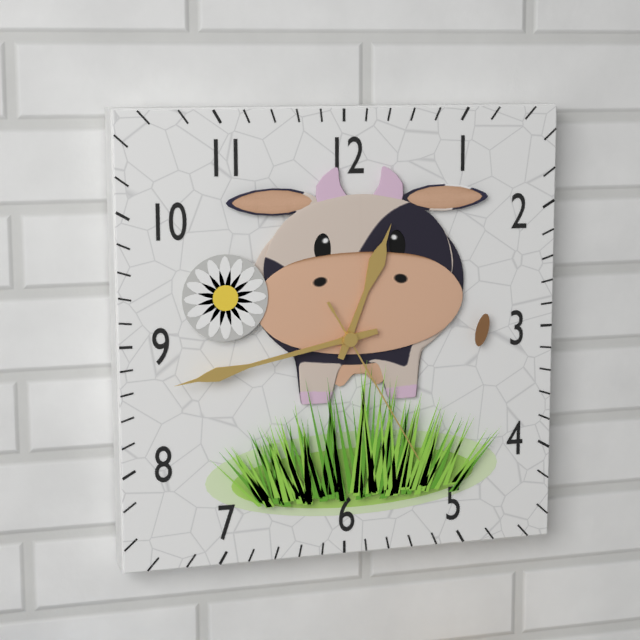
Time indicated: 12:43:25
